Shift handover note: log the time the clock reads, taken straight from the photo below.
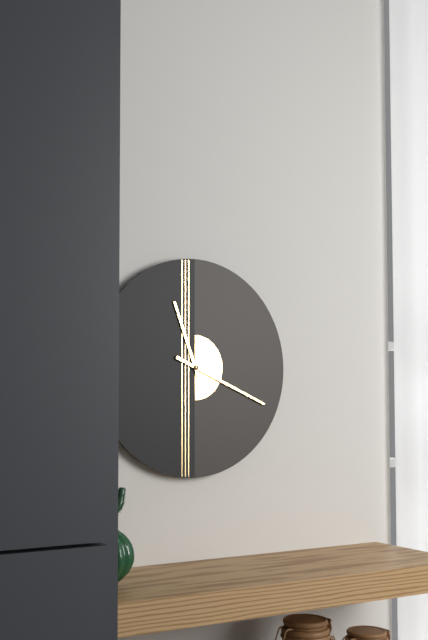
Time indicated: 11:19
